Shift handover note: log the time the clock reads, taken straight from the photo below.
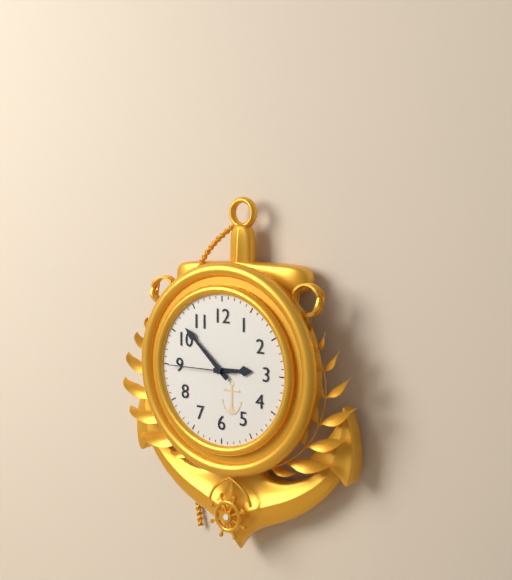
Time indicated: 2:52:45
